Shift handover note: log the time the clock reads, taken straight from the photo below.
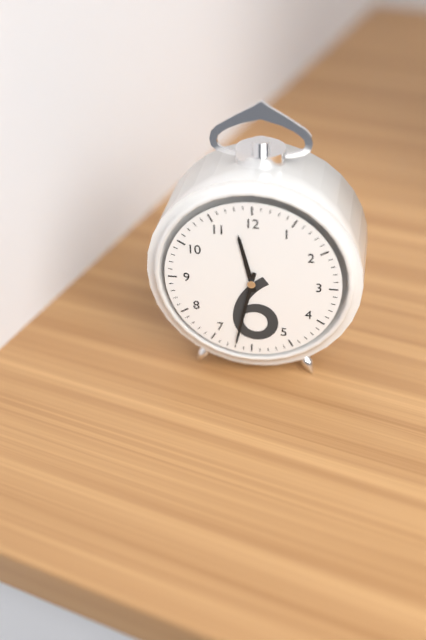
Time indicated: 11:32
